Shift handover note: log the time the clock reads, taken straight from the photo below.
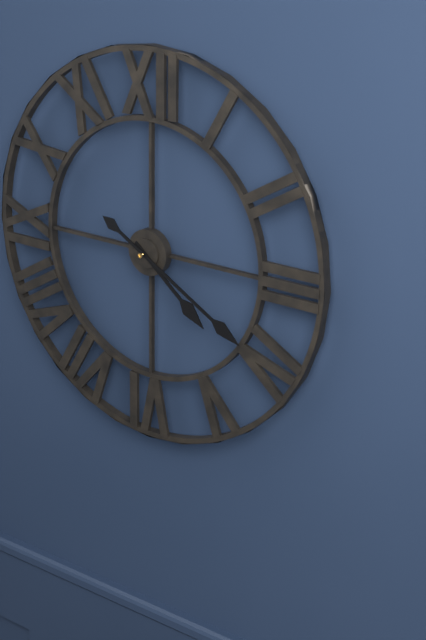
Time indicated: 4:20
